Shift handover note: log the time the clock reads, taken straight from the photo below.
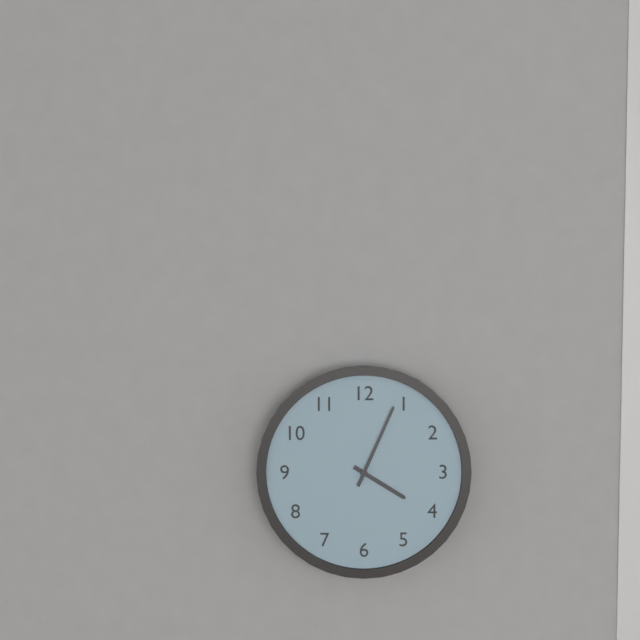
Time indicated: 4:04
